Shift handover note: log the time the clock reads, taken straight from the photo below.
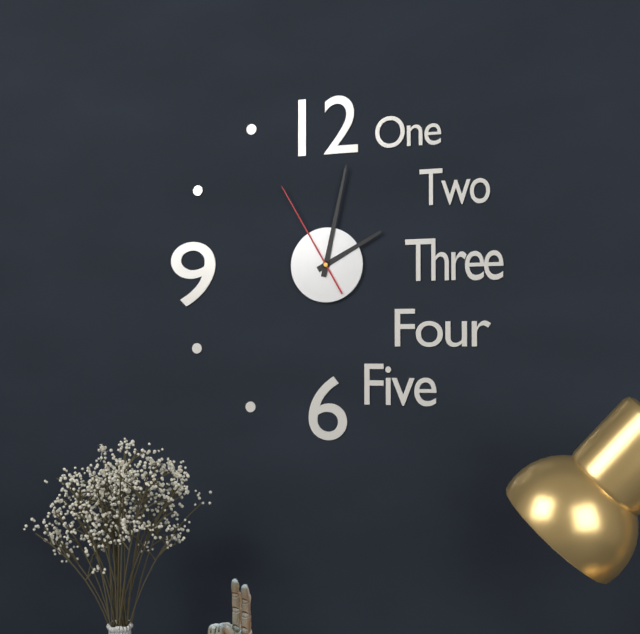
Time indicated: 2:02:55
